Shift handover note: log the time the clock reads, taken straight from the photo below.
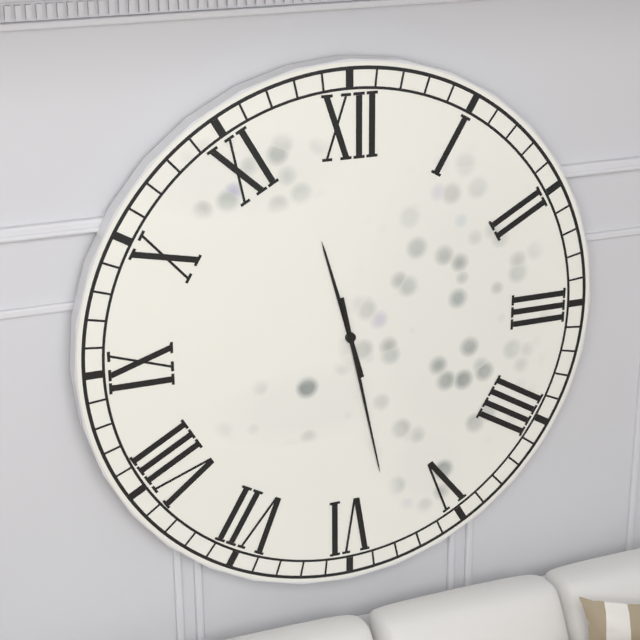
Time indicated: 11:28
